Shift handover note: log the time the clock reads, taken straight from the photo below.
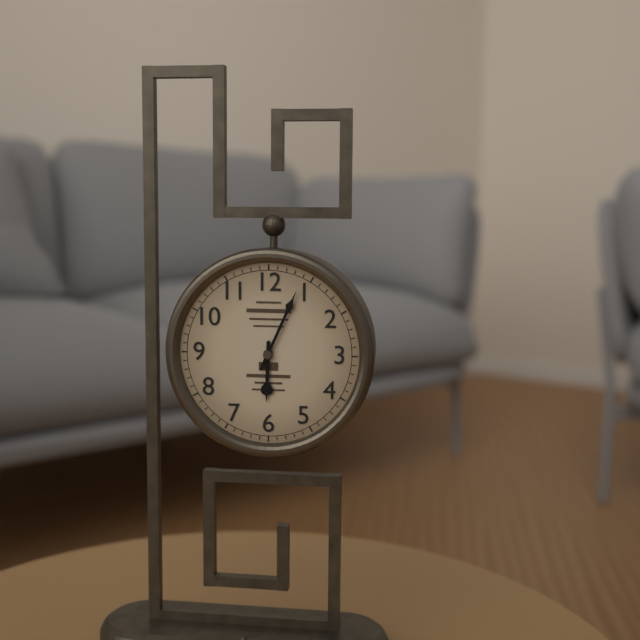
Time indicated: 6:04
